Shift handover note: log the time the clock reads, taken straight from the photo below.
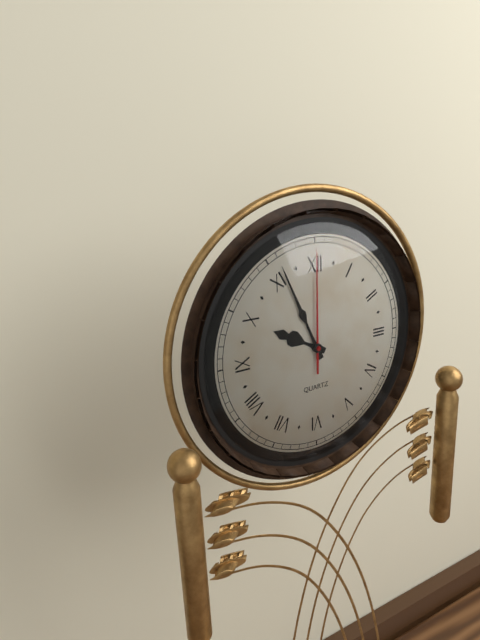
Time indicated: 9:56:00
